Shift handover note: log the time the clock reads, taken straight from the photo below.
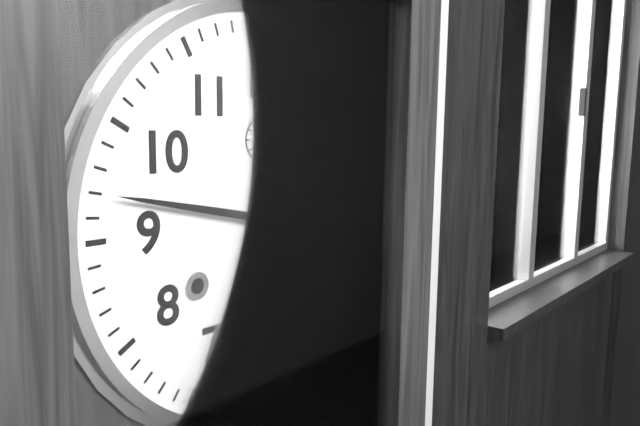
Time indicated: 6:47
